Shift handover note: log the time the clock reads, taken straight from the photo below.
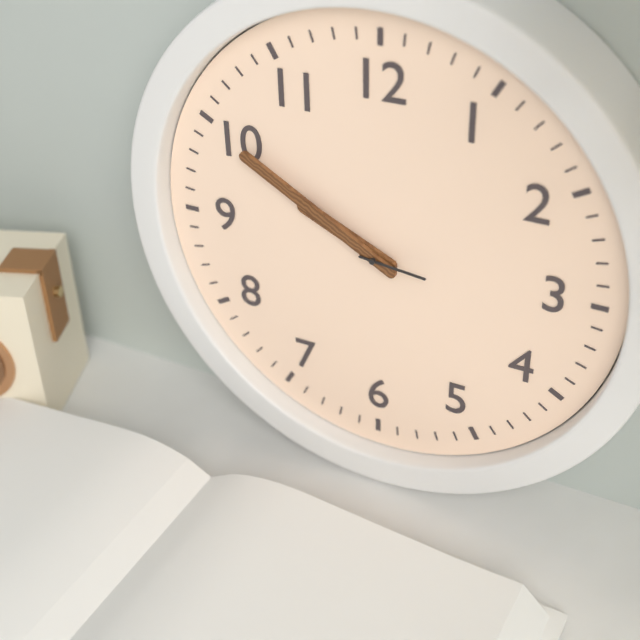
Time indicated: 9:50:16
